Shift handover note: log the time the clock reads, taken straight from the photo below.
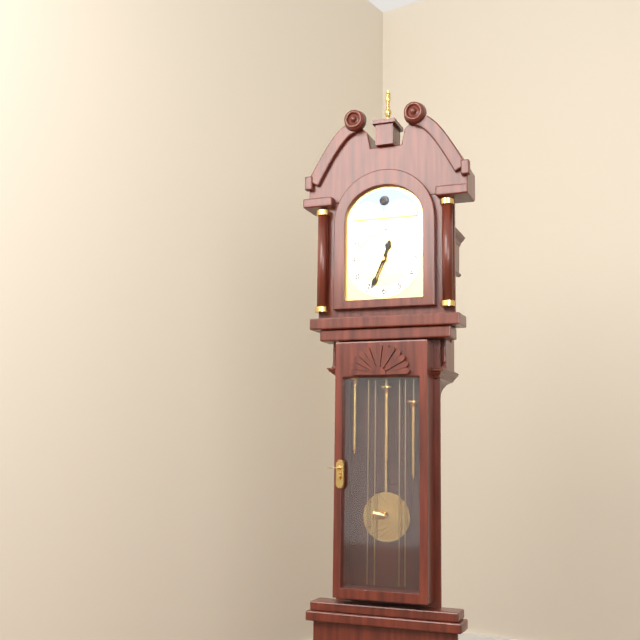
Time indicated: 12:34
